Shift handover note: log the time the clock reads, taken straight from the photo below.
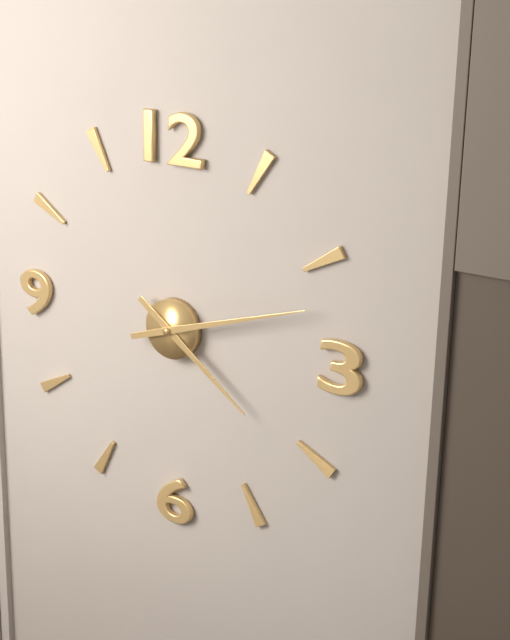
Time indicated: 4:12
